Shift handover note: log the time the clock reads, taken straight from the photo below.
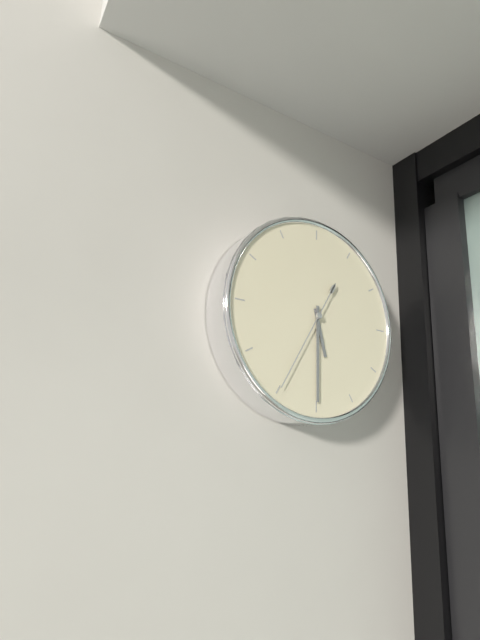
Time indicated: 5:30:35
